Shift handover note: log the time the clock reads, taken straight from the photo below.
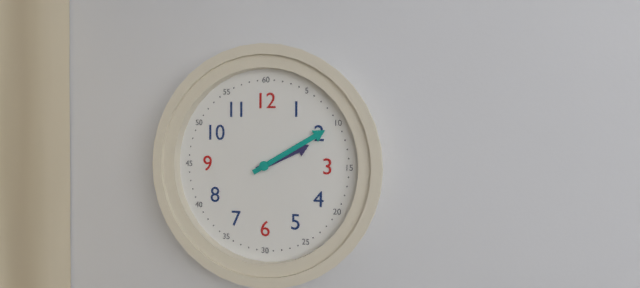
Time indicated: 2:10
